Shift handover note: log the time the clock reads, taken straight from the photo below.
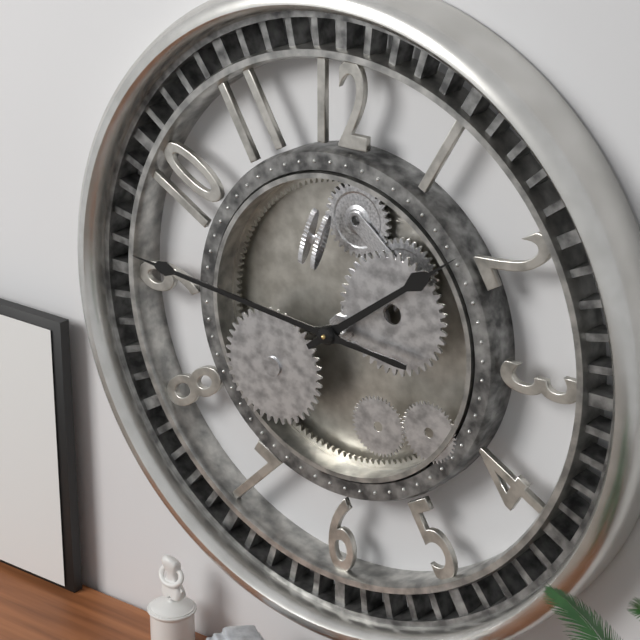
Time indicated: 1:46
